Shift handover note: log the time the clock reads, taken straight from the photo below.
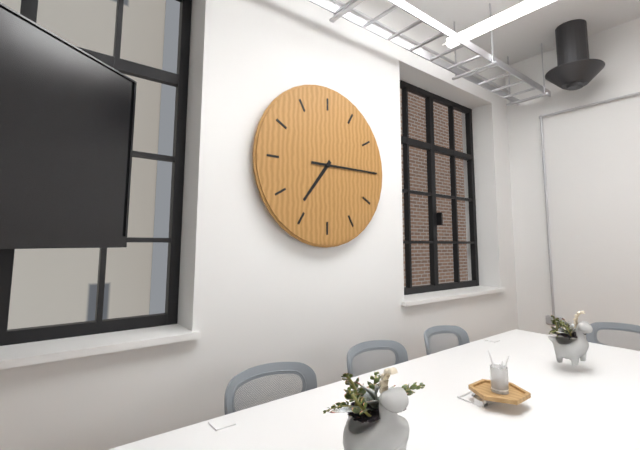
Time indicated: 7:15
